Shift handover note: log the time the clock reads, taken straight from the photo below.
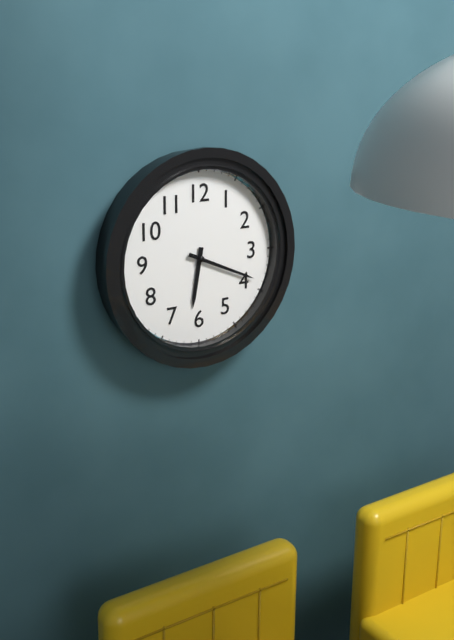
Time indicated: 6:19
